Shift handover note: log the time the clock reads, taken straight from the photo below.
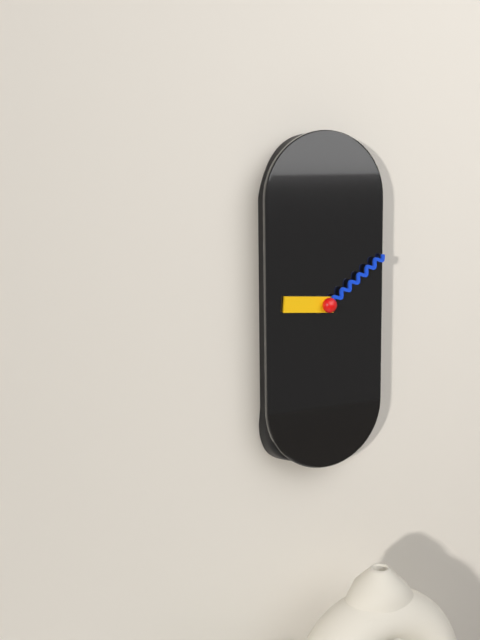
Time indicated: 9:09
